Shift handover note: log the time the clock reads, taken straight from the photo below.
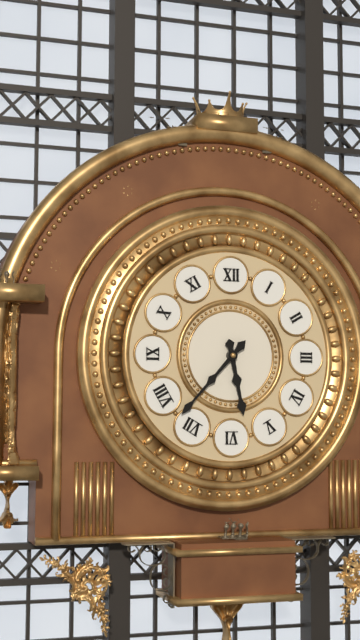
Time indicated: 5:37
